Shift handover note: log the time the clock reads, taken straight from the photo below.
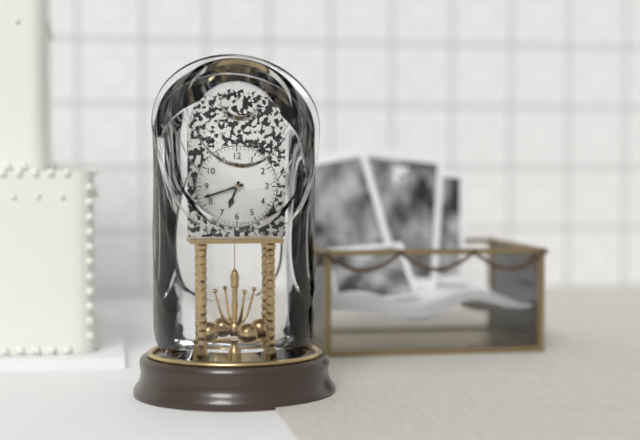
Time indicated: 6:42
